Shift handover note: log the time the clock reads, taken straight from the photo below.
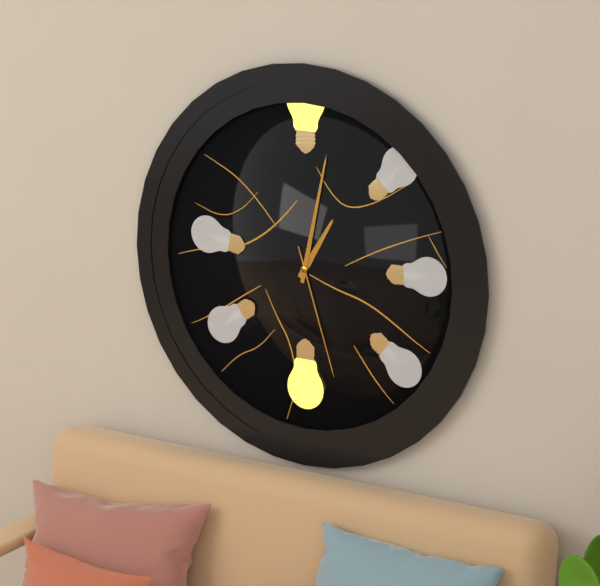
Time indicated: 1:02:27
